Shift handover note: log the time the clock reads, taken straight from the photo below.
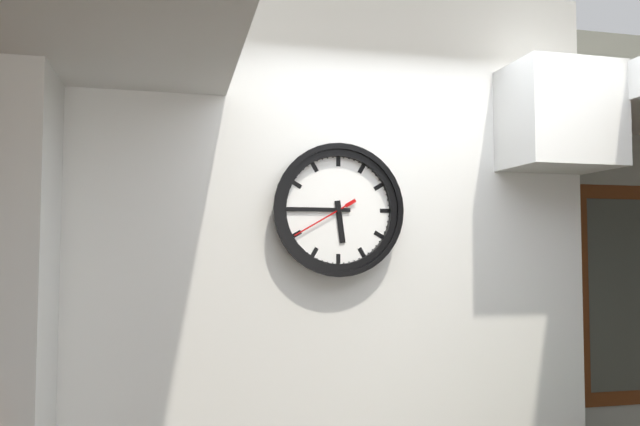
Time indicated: 5:45:40
